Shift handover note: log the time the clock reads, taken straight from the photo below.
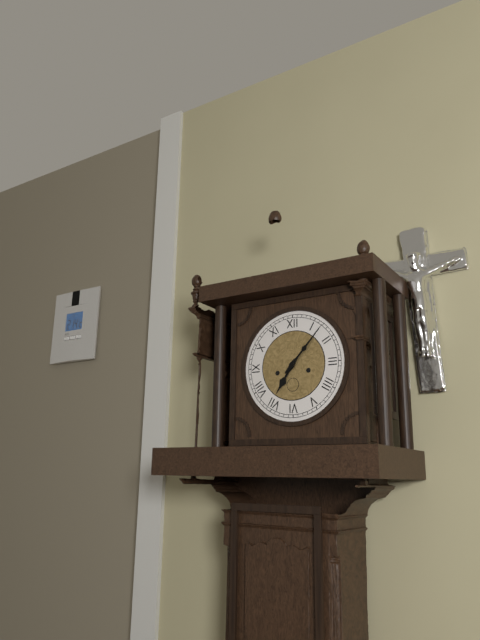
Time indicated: 7:07
